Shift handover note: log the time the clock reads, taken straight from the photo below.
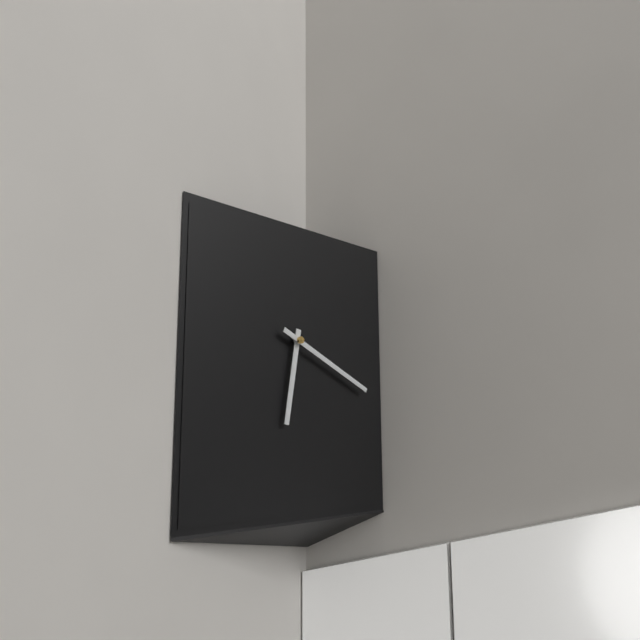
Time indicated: 6:19
